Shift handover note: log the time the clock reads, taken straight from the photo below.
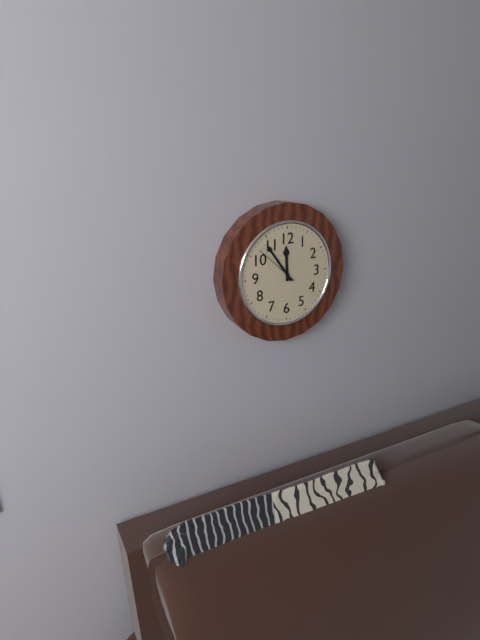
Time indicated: 11:54
